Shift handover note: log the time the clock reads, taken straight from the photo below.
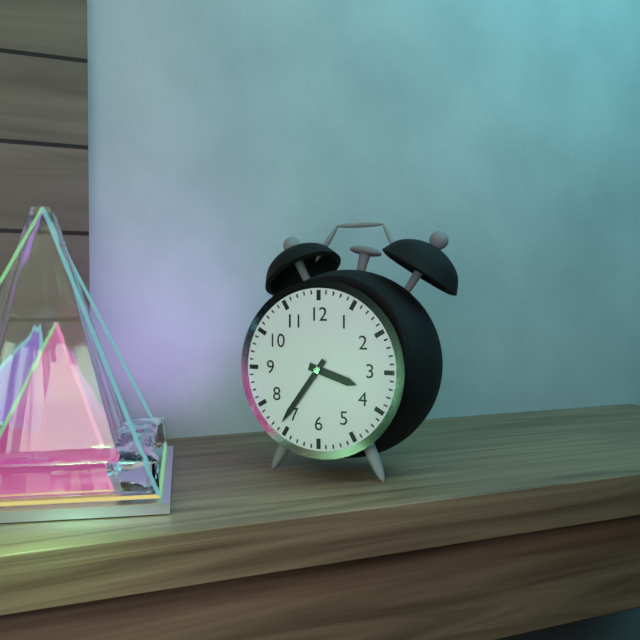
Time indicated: 3:36
